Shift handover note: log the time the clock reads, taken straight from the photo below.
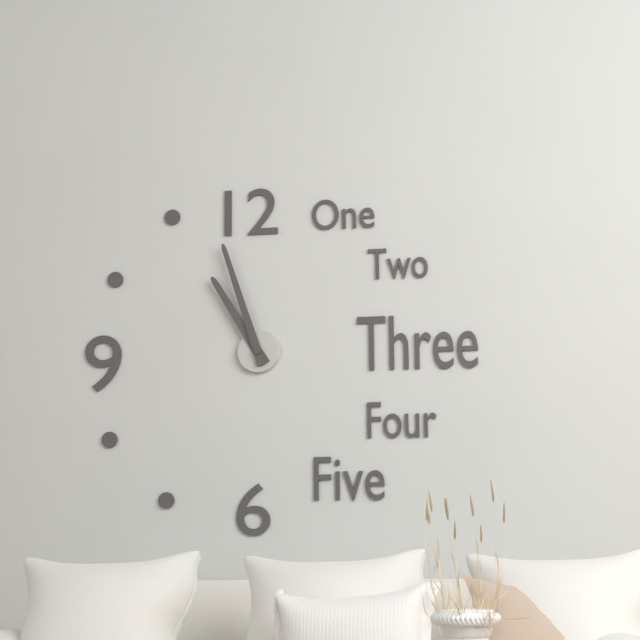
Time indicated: 10:57
